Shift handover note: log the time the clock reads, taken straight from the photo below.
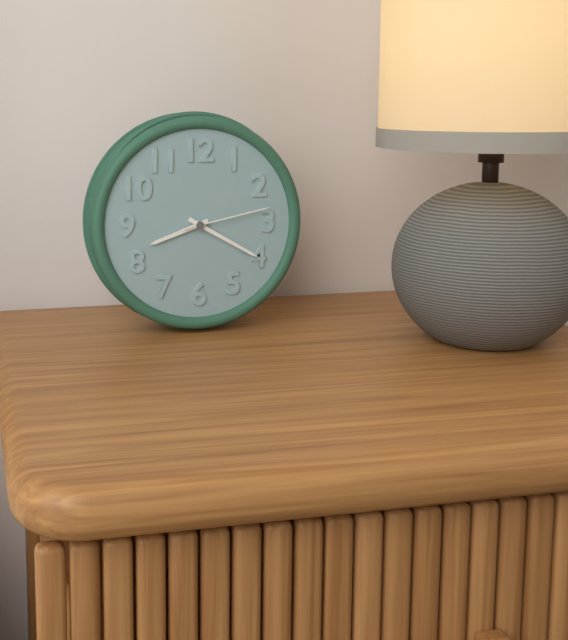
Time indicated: 8:20:13
